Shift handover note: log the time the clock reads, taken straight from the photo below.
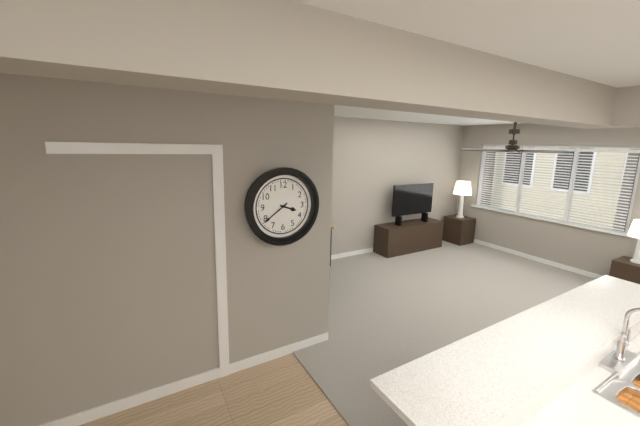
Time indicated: 3:39
